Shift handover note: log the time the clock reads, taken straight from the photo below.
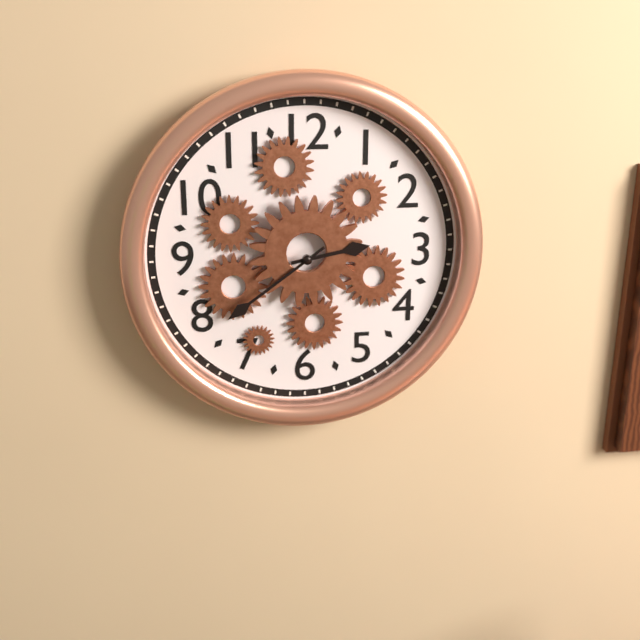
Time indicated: 2:39
